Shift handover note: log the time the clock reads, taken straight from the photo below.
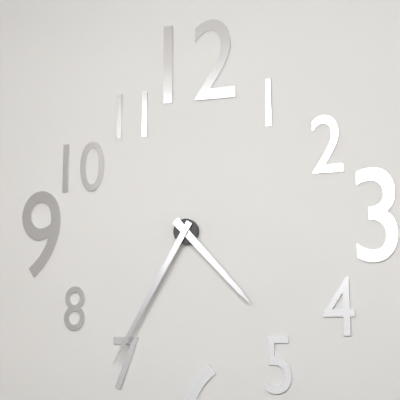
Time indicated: 4:35
